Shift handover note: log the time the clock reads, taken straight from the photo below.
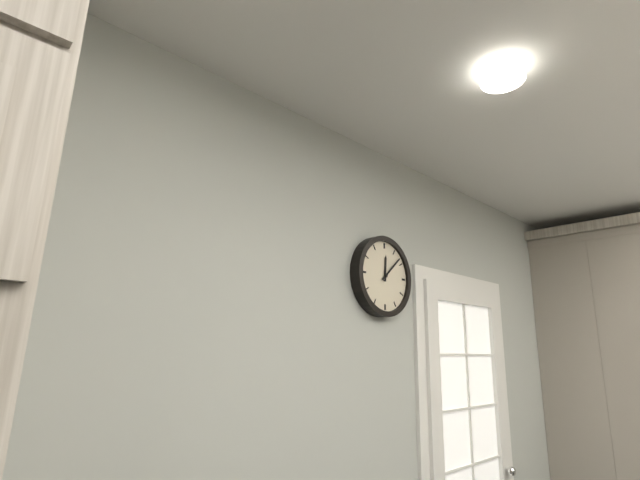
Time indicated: 12:08
